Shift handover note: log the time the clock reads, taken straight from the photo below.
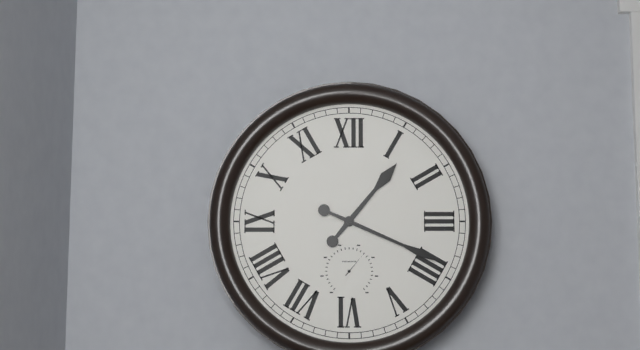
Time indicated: 1:19
